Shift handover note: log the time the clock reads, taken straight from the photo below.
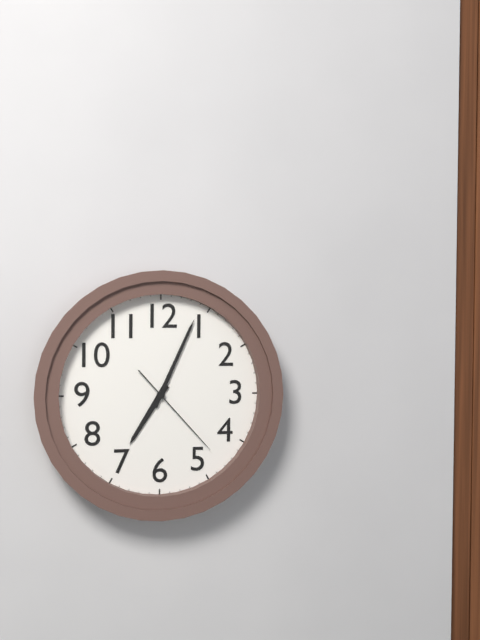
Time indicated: 7:04:23
